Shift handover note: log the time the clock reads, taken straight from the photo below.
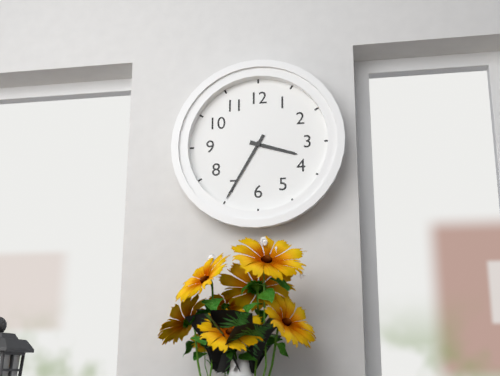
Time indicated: 3:35
